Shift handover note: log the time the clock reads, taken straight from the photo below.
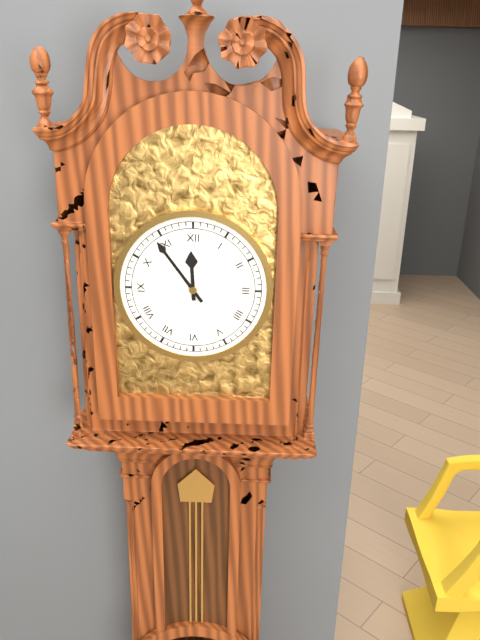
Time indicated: 11:54
